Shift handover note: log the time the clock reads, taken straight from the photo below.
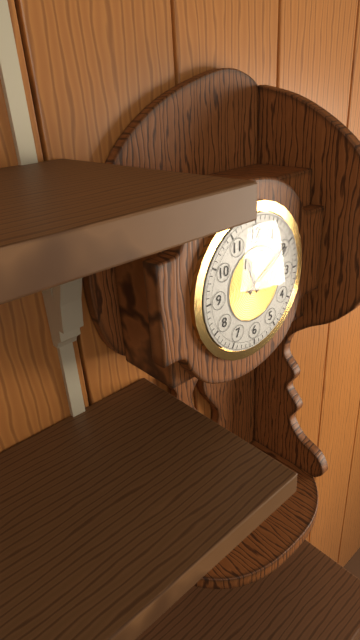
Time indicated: 11:10
